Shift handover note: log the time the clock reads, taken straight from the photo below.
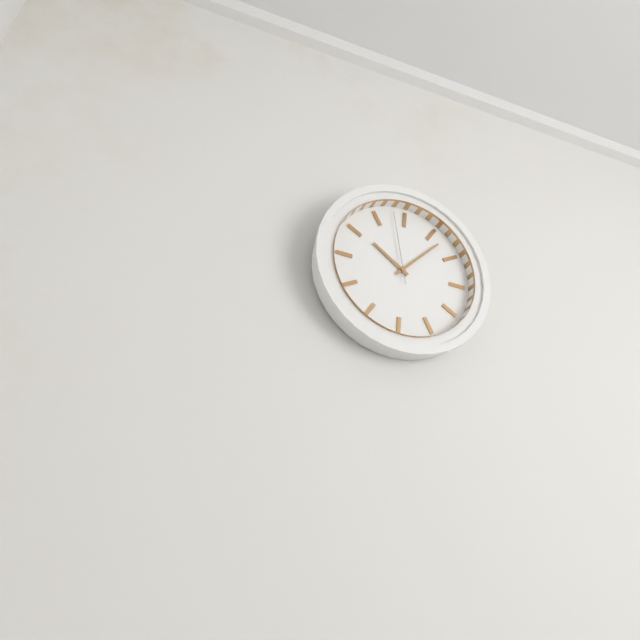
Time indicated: 10:07:58
